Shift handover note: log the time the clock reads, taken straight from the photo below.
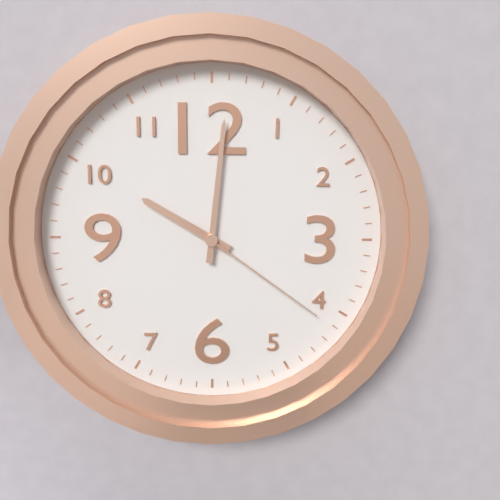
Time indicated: 10:01:21
